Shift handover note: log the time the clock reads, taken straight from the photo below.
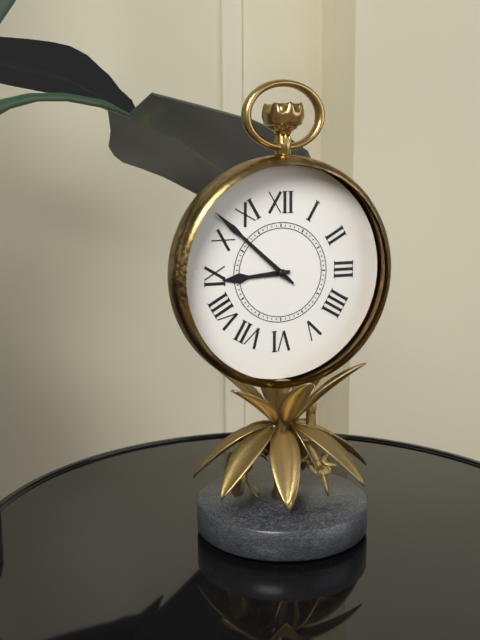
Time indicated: 8:52
